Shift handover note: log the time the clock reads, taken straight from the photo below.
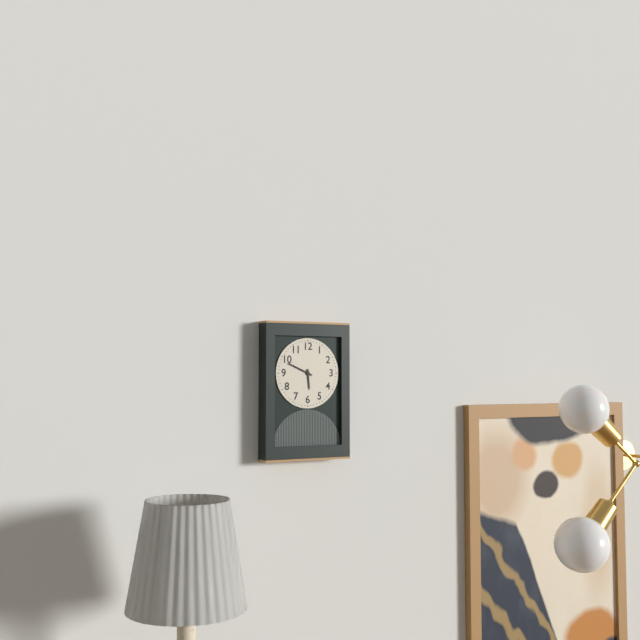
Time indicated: 5:49
